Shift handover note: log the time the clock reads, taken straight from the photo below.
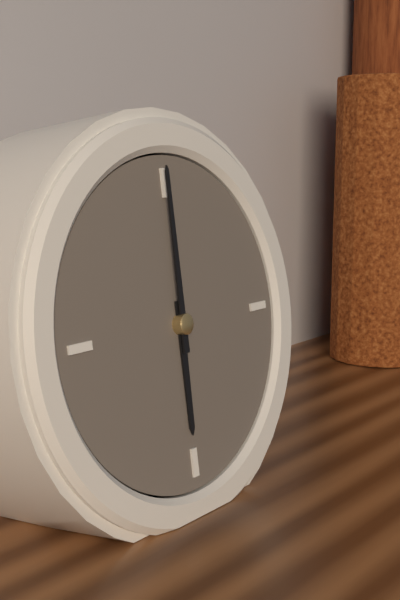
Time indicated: 6:00
